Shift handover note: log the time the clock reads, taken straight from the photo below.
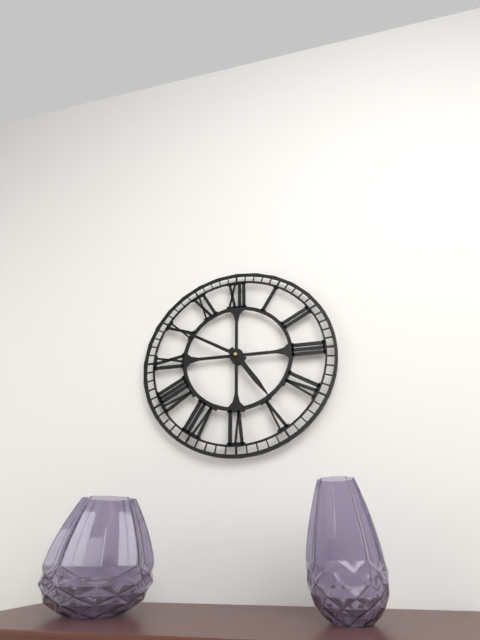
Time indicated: 4:50
